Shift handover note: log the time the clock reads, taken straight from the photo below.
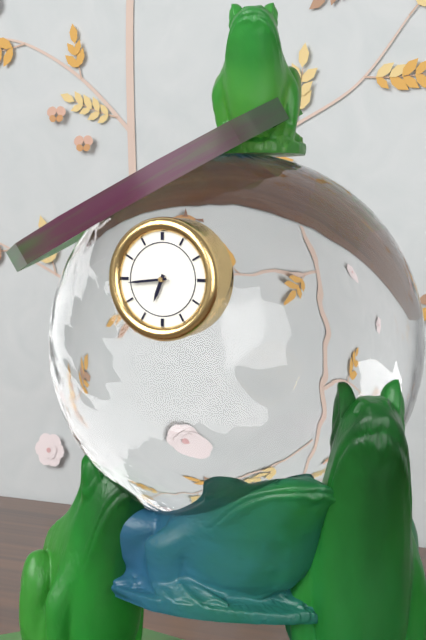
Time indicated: 6:44
